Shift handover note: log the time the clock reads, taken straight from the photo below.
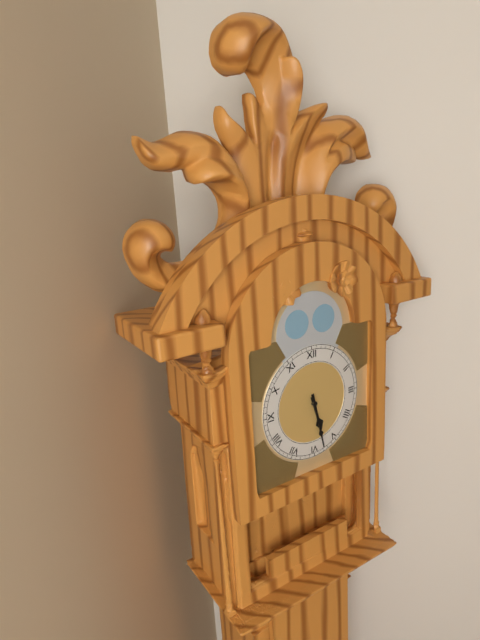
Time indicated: 5:28
